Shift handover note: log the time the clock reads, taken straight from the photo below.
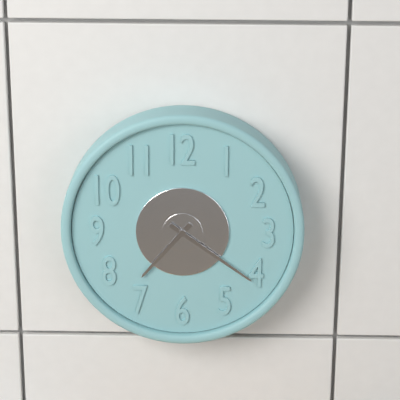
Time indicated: 7:21
